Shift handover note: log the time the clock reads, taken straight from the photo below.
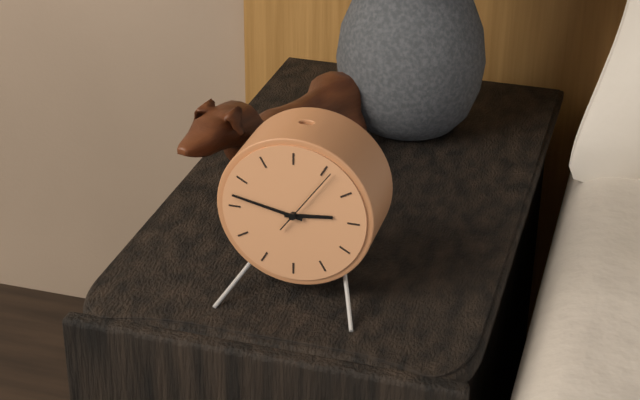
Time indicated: 2:47:06
